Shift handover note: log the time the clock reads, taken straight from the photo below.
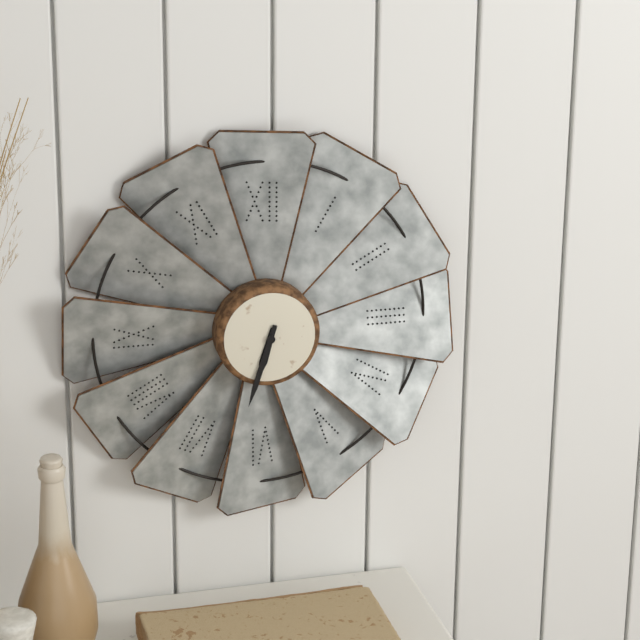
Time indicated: 6:33
